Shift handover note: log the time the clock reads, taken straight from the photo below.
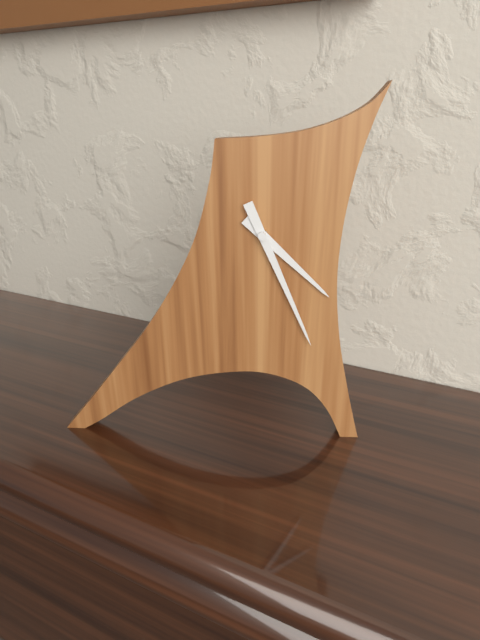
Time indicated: 4:26
